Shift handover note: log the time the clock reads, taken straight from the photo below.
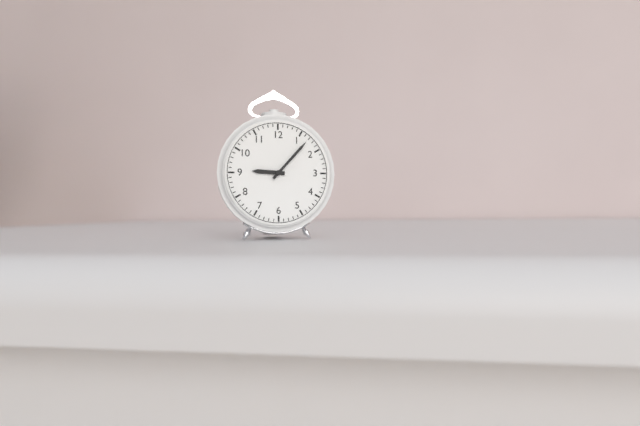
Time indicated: 9:07
